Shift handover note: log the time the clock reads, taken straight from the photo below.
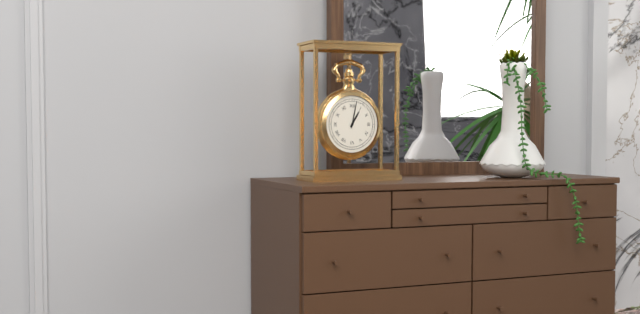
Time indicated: 1:02
